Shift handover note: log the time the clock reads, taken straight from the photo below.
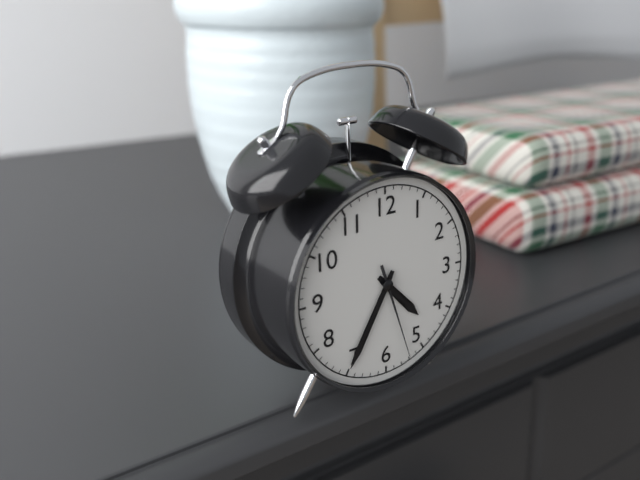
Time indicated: 4:35:27
